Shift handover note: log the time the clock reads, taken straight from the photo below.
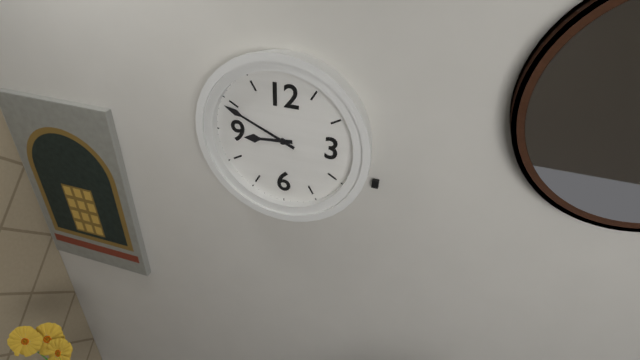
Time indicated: 8:49
